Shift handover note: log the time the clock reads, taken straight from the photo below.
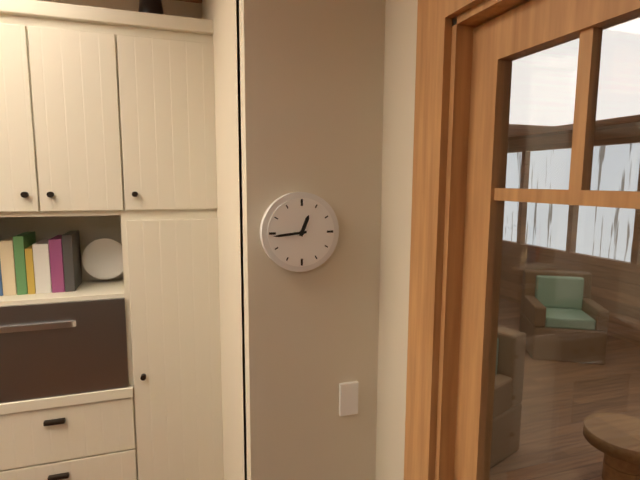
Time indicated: 12:44
